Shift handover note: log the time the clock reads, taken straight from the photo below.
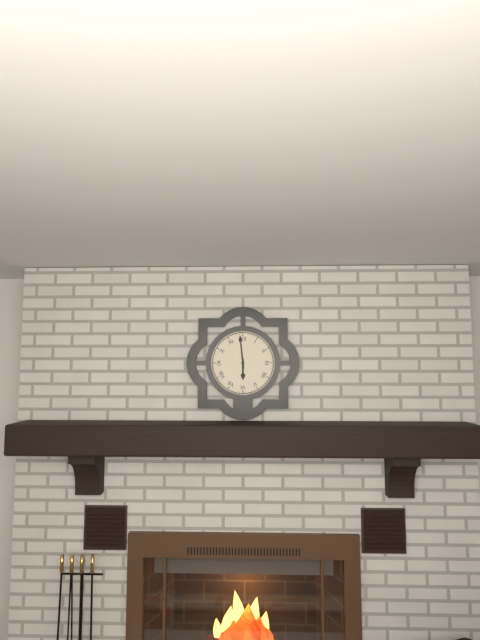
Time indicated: 5:59
